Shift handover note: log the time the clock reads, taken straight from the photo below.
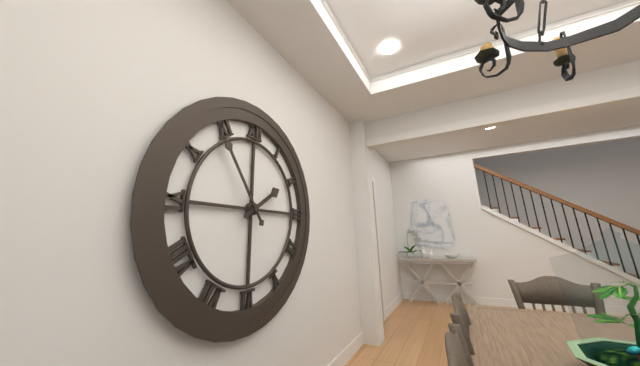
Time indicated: 1:54
